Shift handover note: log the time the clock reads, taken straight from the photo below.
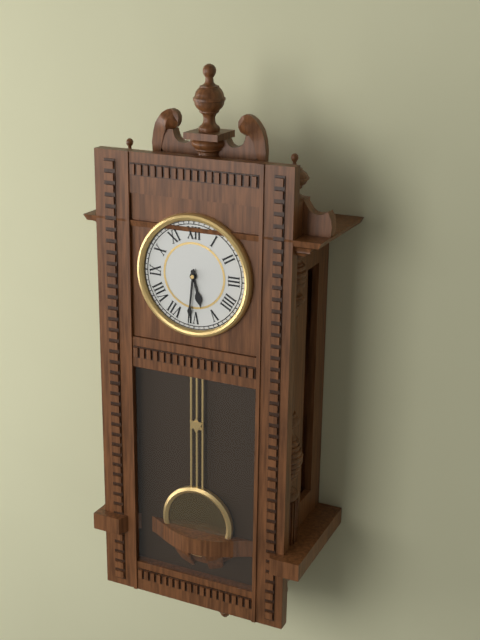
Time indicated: 5:31
